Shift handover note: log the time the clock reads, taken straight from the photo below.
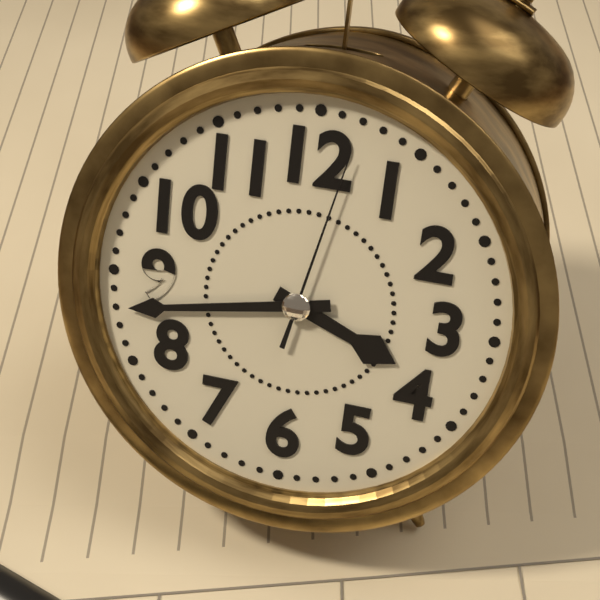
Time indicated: 3:43:02
